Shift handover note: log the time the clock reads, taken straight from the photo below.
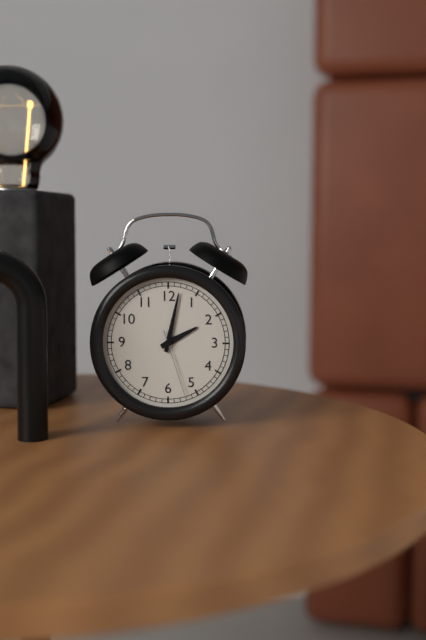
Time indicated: 2:02:27
